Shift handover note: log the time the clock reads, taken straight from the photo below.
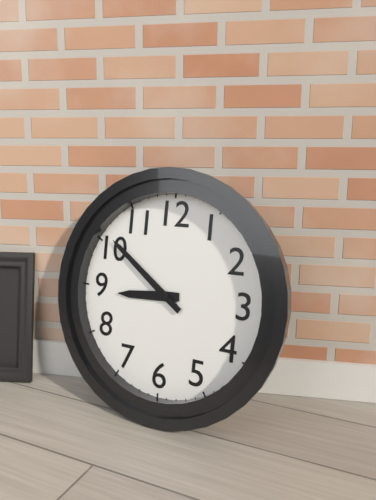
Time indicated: 8:51
